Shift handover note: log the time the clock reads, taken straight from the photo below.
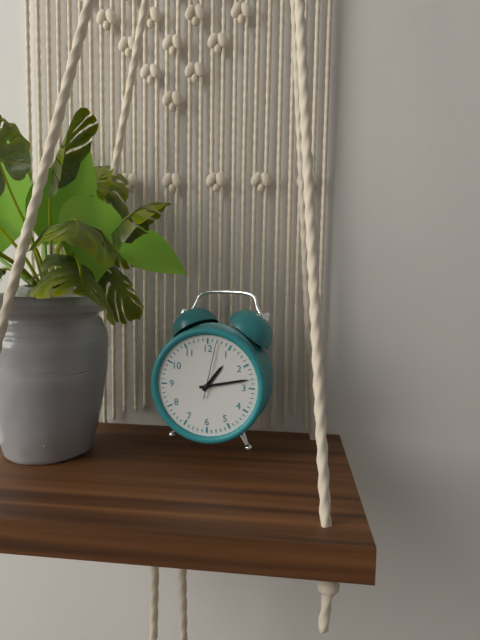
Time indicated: 1:13:02
